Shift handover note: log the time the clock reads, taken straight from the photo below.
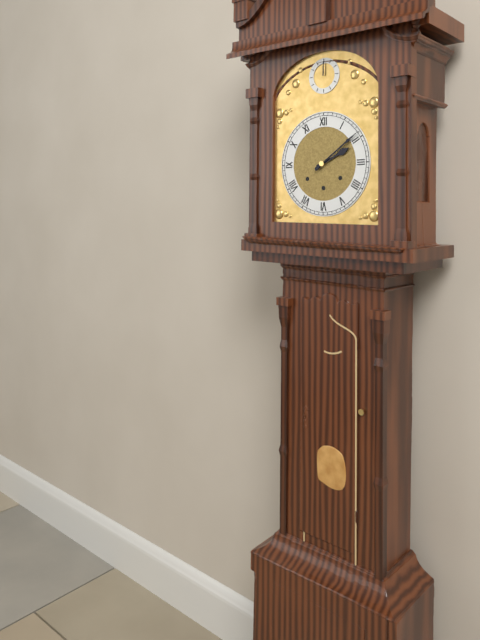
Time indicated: 2:09
